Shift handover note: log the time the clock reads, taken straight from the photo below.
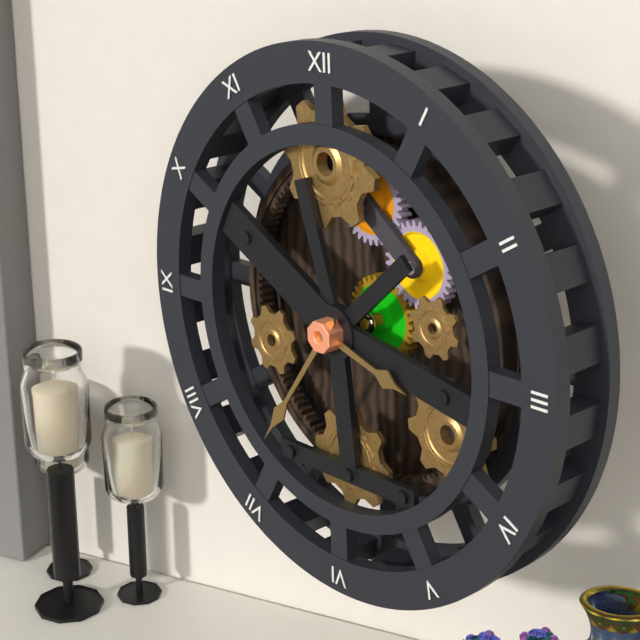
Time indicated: 3:36
